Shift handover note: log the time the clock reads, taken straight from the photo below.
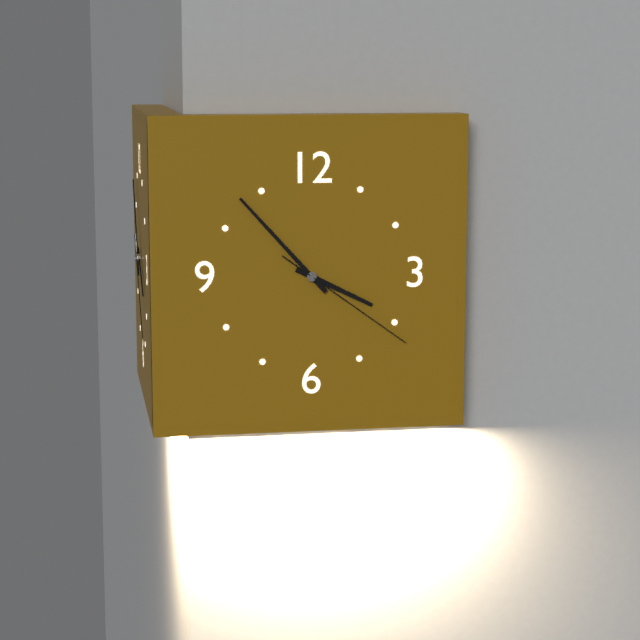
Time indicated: 3:53:21
